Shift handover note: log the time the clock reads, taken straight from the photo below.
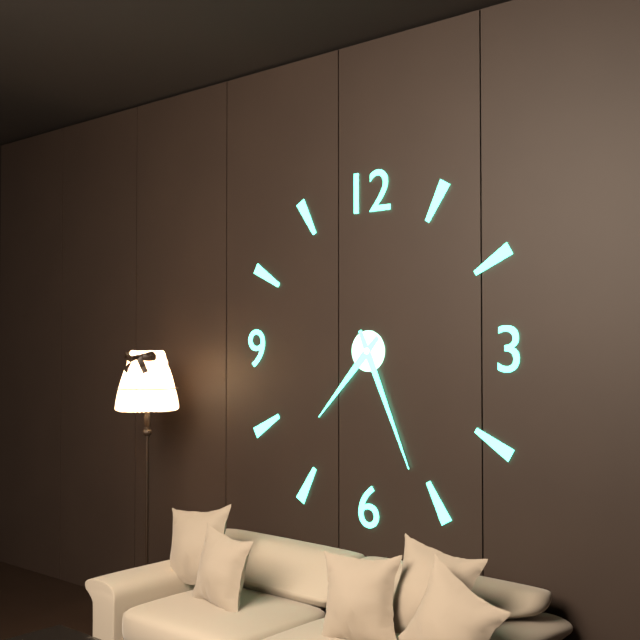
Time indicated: 7:26
